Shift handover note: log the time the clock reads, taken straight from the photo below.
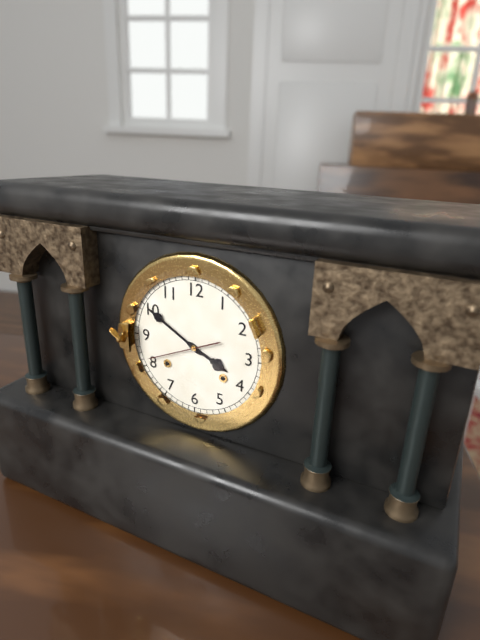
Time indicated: 3:50:41
